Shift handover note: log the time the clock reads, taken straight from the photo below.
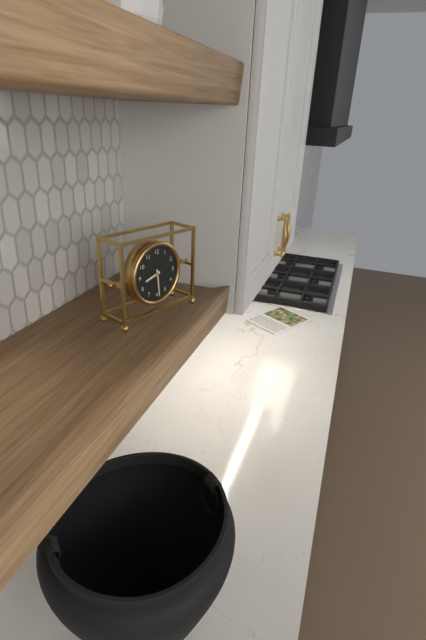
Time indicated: 8:29
